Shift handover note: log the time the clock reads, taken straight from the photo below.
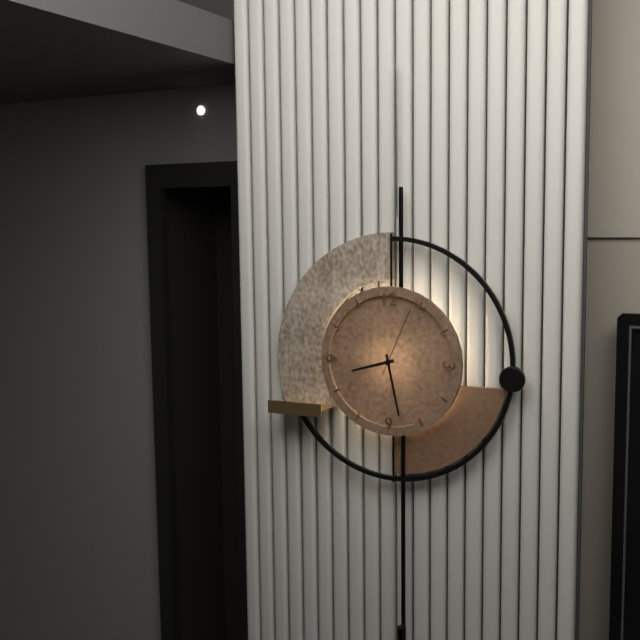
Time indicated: 8:28:04
